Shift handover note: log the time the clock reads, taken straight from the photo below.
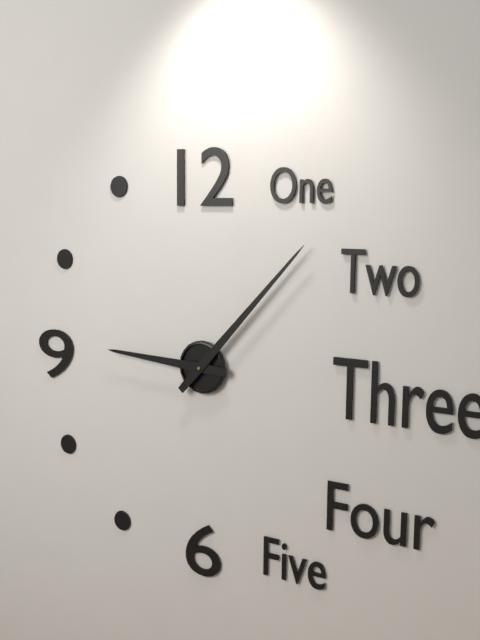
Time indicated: 9:07
